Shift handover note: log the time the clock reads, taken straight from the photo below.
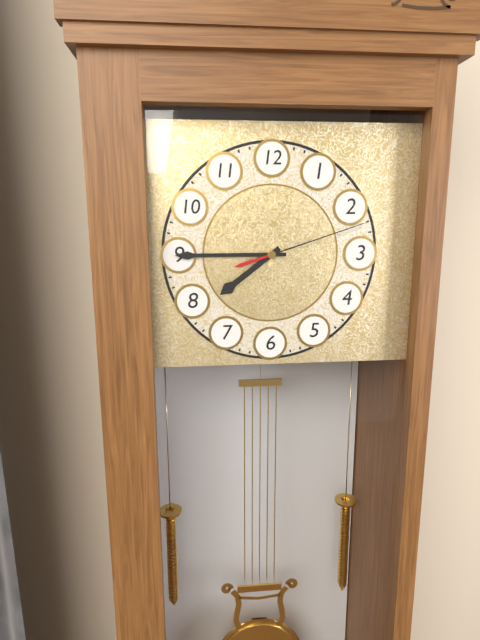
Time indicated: 7:45:12
